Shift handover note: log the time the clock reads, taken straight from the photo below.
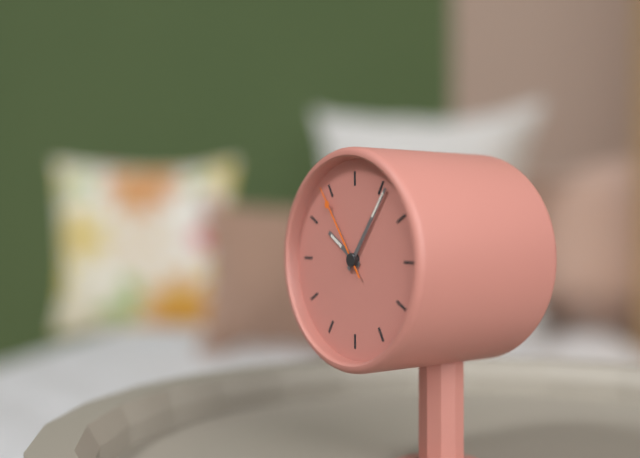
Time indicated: 10:06:54
